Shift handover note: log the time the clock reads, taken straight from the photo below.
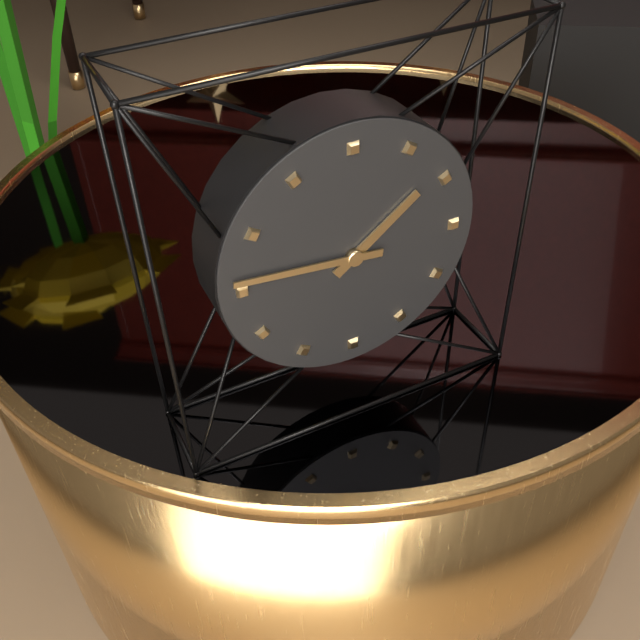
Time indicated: 1:46
